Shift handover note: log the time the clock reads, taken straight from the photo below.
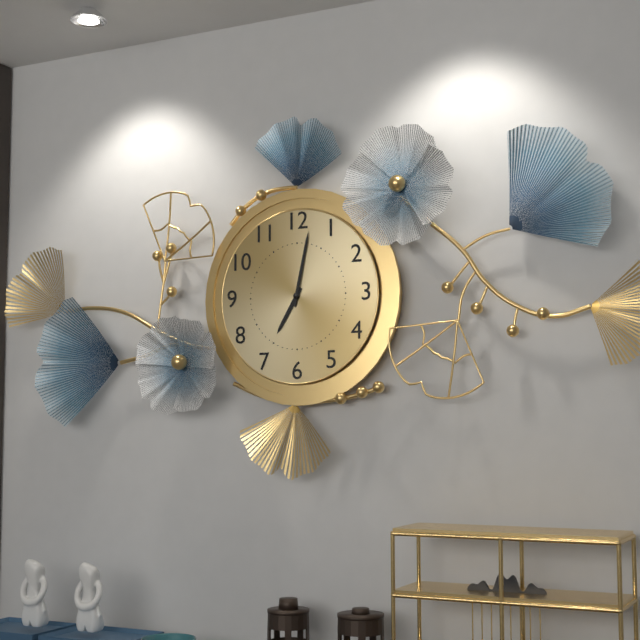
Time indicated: 7:02
